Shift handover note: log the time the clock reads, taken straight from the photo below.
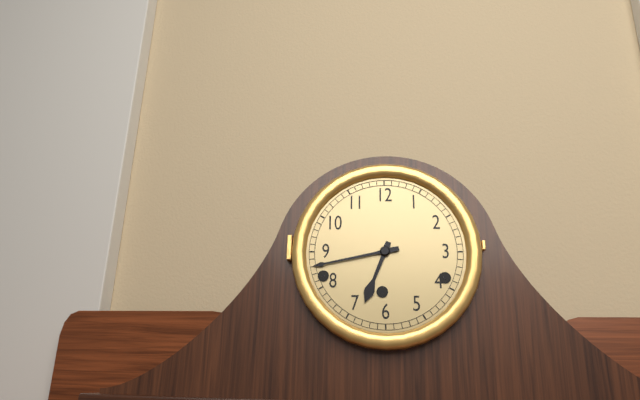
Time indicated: 6:43
